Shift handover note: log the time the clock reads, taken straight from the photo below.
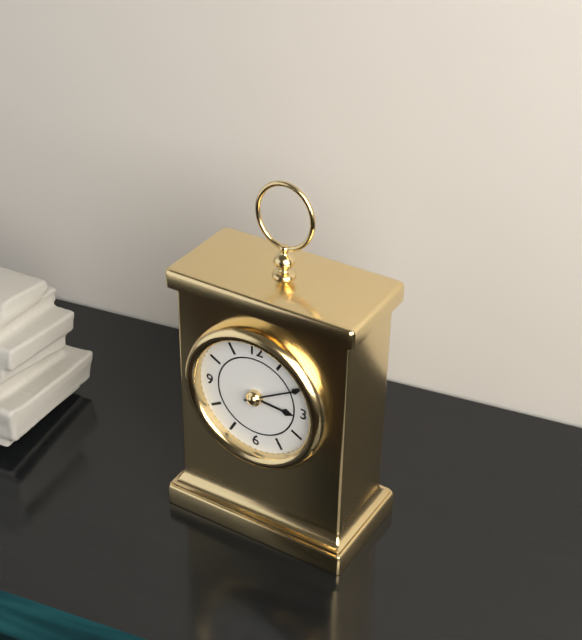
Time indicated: 3:10
